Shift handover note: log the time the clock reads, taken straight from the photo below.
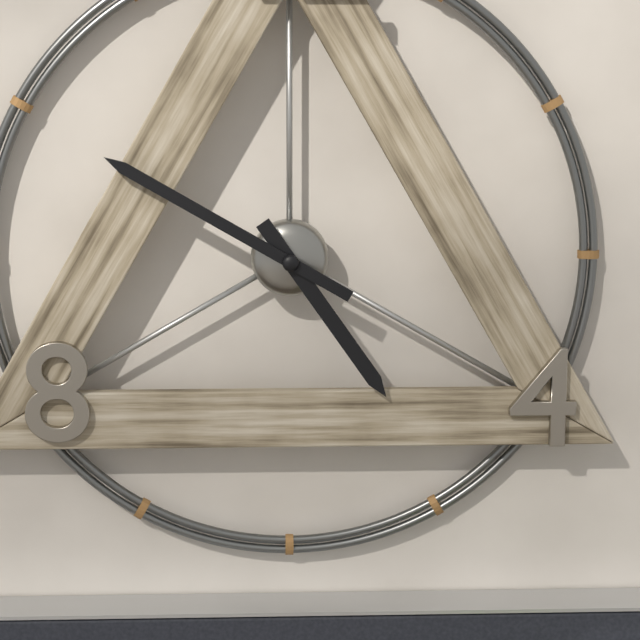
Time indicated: 4:50
